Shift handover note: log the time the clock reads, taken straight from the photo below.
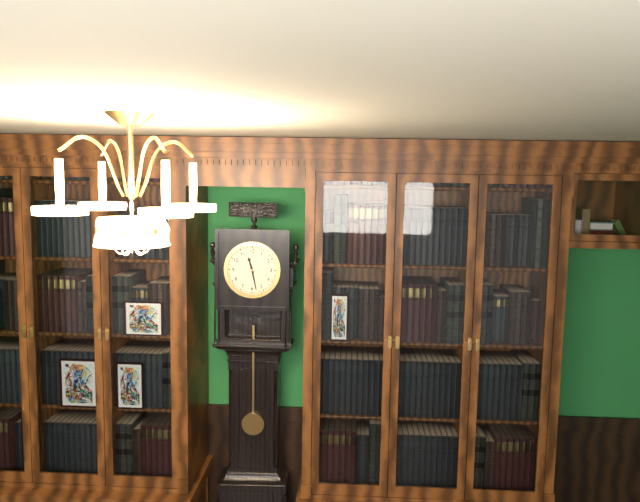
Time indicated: 11:28
